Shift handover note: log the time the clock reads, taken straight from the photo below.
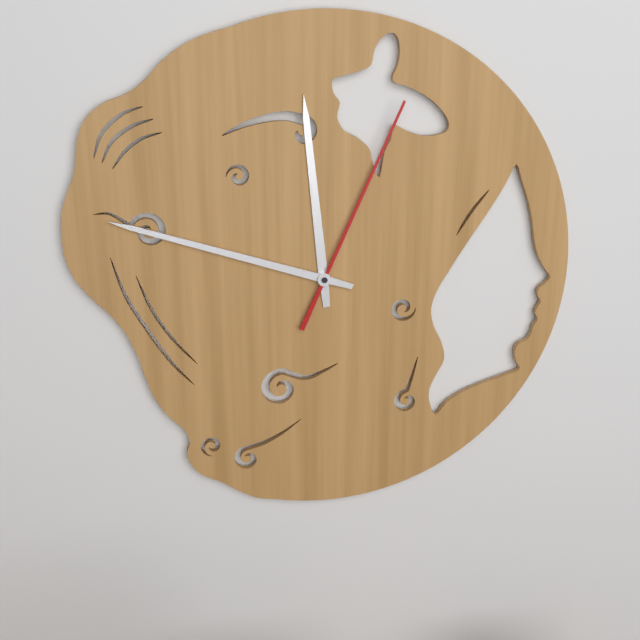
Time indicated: 11:48:04
